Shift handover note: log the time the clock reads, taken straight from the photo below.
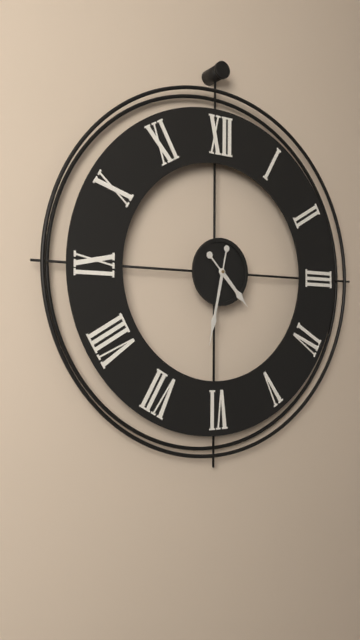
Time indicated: 4:32
